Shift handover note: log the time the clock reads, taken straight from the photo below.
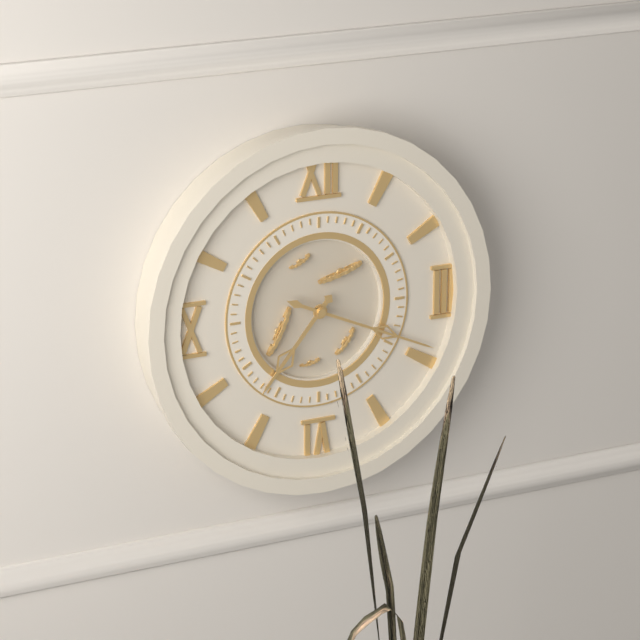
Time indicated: 7:19
